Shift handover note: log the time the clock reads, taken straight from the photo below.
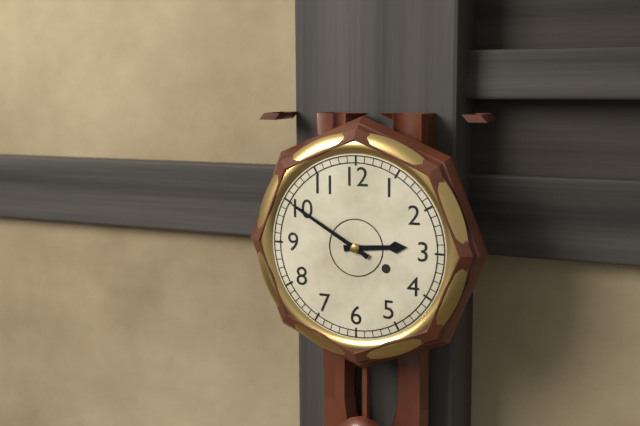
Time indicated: 2:50
